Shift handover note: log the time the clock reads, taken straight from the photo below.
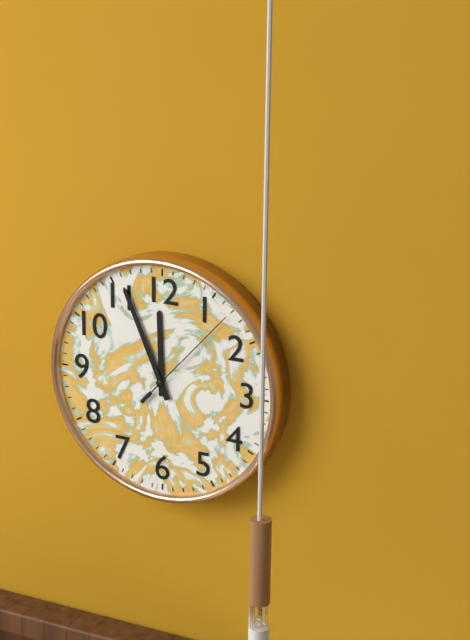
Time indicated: 11:56:07
